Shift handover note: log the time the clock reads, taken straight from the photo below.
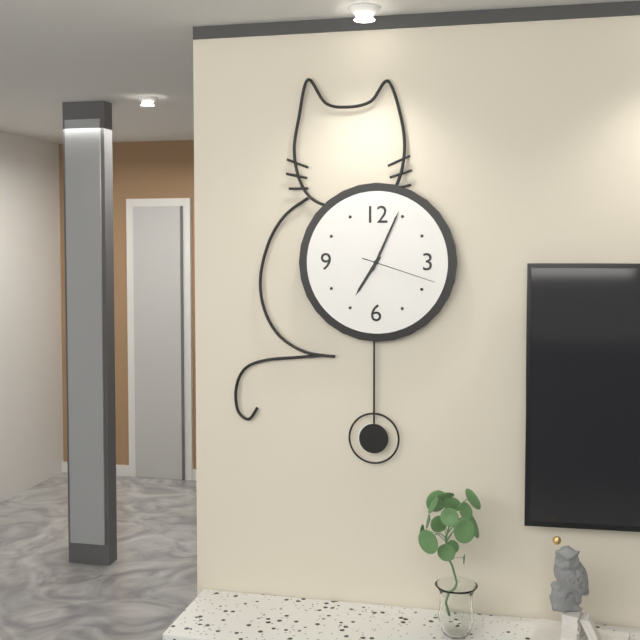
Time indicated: 7:04:18
